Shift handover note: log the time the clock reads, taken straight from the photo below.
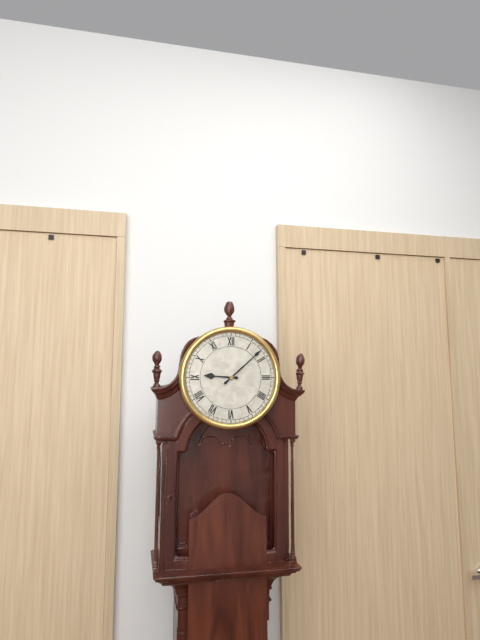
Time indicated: 9:08
